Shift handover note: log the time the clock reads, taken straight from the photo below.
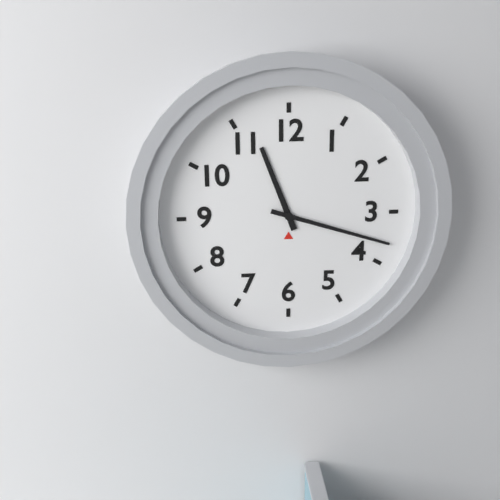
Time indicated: 11:18
